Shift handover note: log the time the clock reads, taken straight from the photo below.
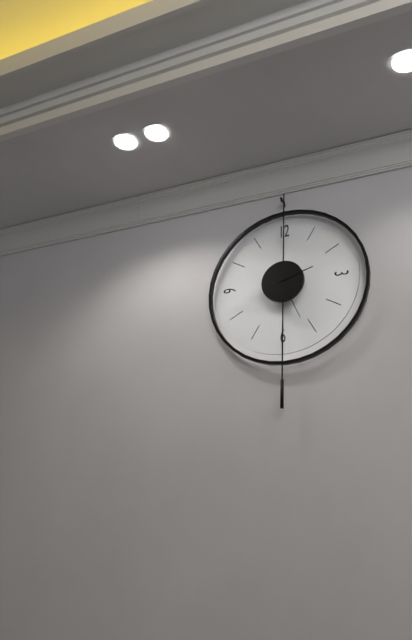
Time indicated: 2:26
